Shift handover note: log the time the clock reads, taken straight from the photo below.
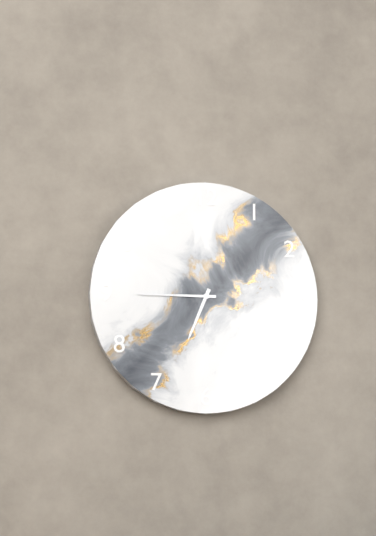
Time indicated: 6:45
